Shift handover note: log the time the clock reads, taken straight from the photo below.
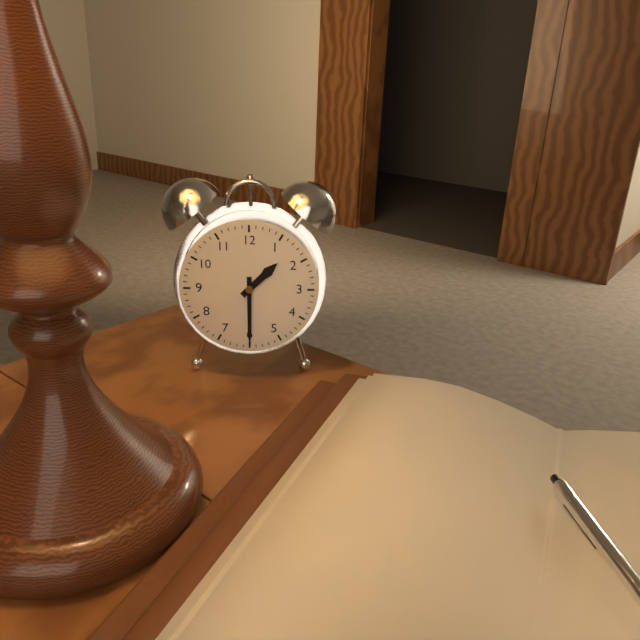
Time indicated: 1:30
